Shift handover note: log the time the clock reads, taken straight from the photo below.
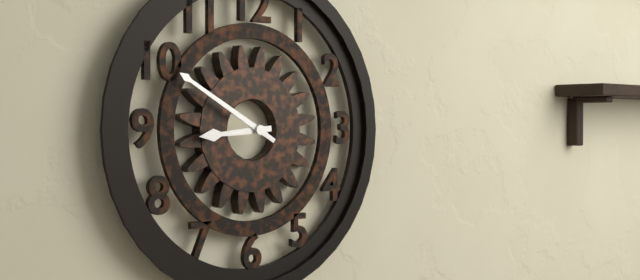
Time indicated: 8:50
